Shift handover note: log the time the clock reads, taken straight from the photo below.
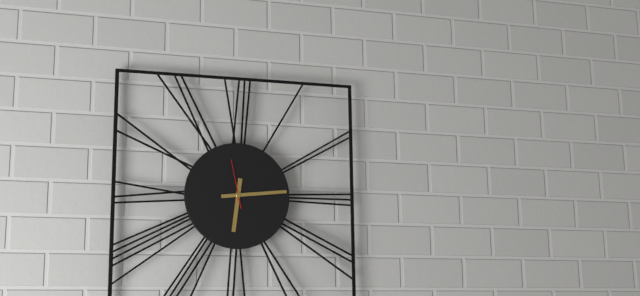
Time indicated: 6:14
